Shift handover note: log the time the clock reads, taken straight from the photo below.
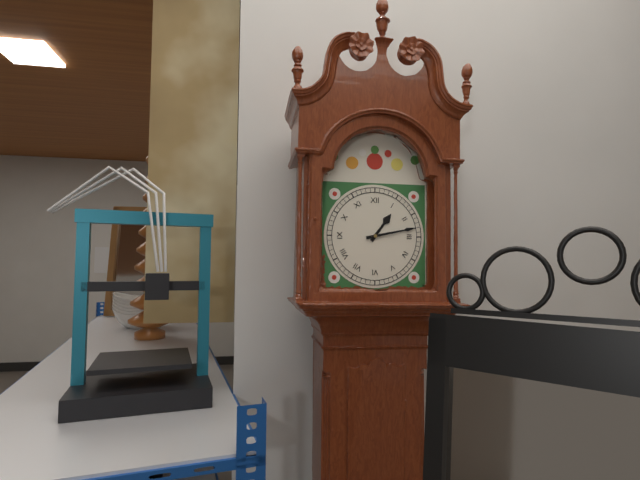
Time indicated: 1:13
